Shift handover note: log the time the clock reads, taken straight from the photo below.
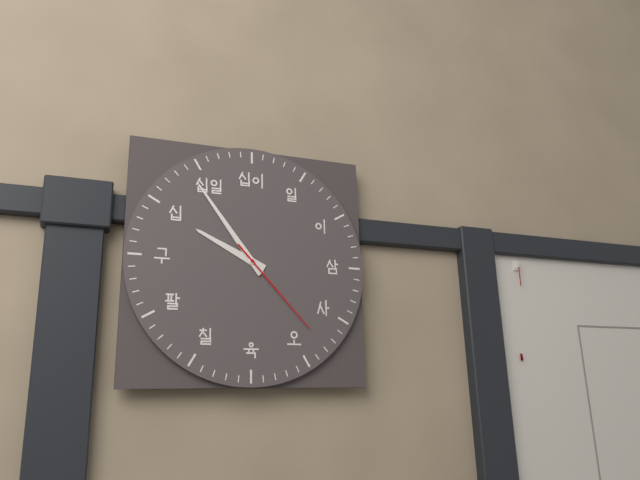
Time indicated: 9:54:23
